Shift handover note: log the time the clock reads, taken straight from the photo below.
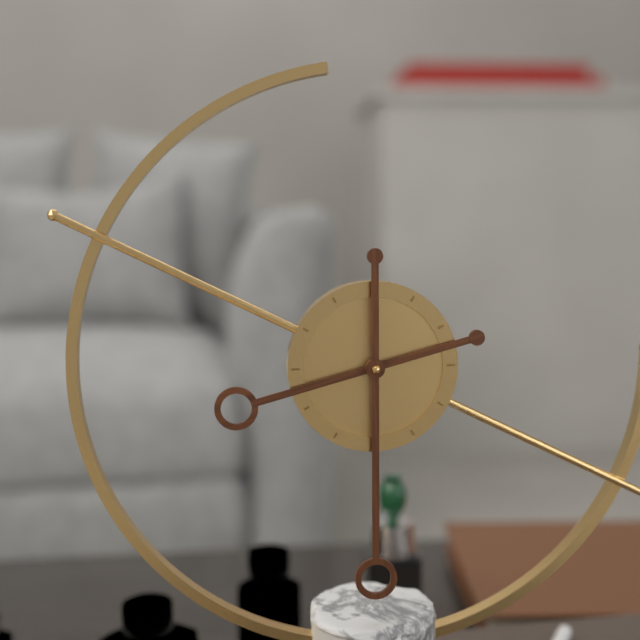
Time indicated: 8:30
